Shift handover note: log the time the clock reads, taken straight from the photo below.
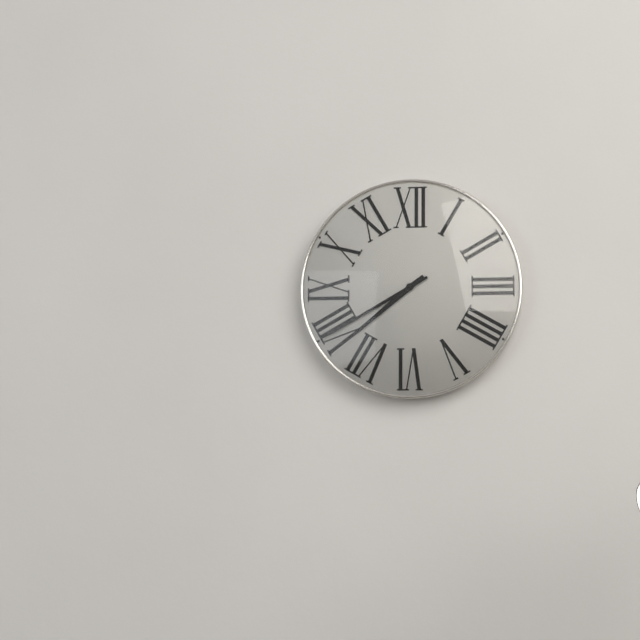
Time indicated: 7:40
